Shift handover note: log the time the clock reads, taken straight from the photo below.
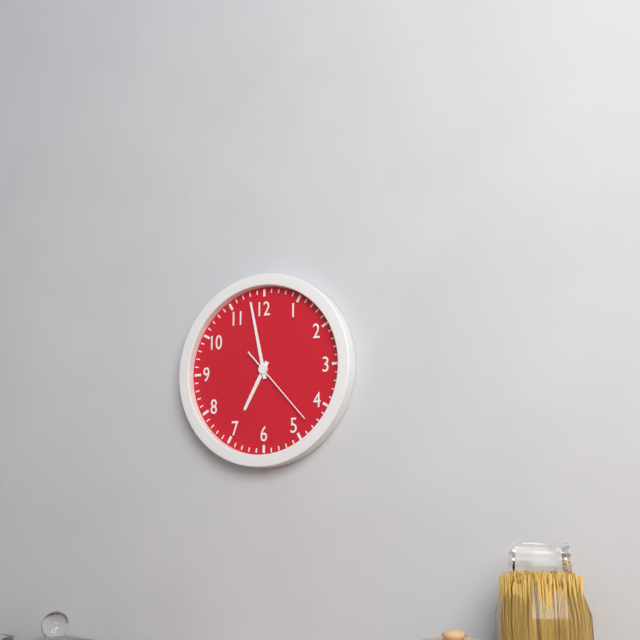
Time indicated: 6:58:23
